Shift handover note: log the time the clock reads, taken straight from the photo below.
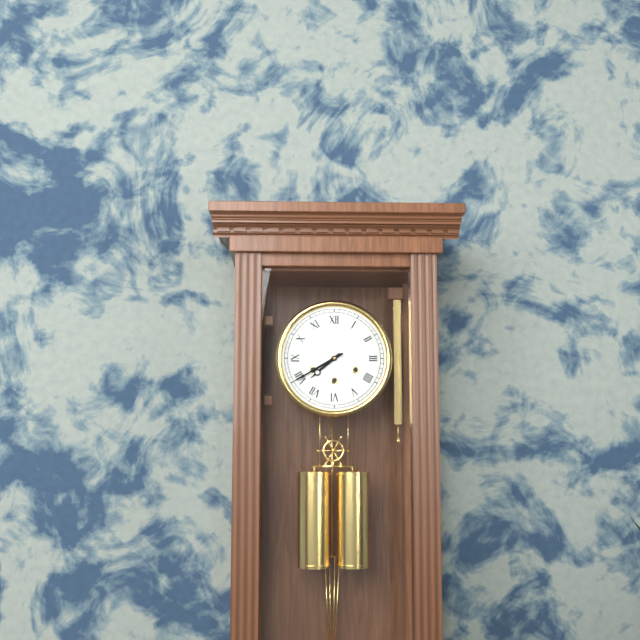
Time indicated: 7:40
